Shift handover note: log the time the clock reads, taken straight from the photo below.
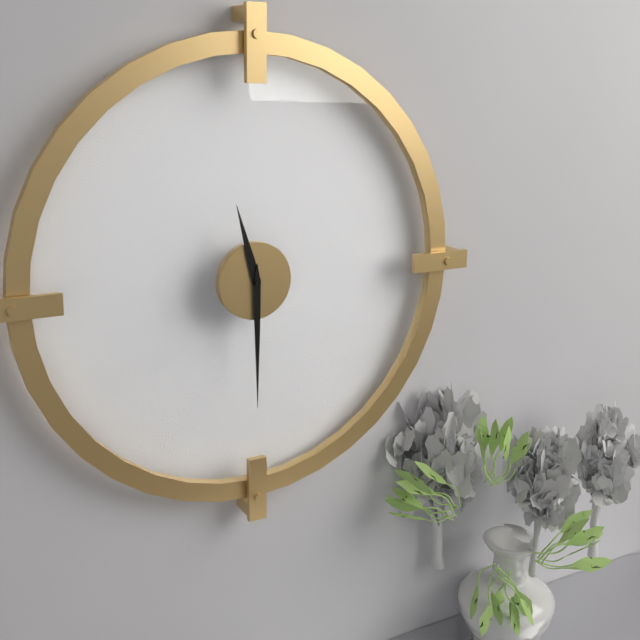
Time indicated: 11:30
